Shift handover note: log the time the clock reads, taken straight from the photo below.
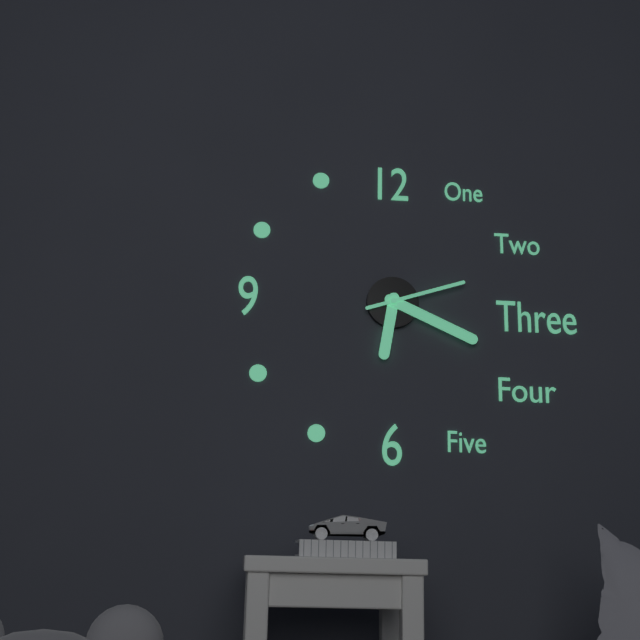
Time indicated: 6:19:12
